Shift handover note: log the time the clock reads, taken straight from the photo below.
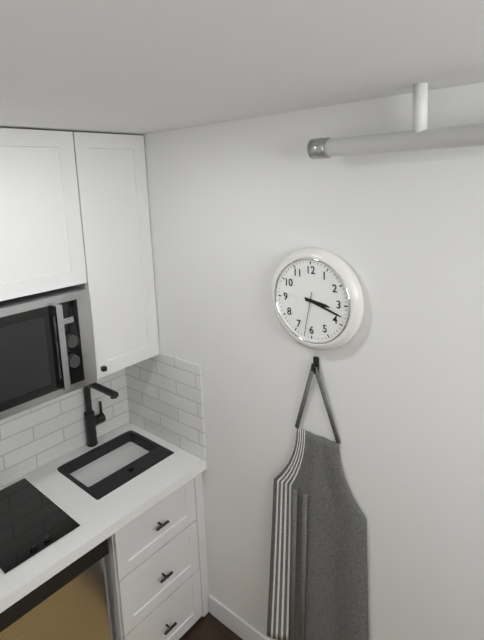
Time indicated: 3:18:32
